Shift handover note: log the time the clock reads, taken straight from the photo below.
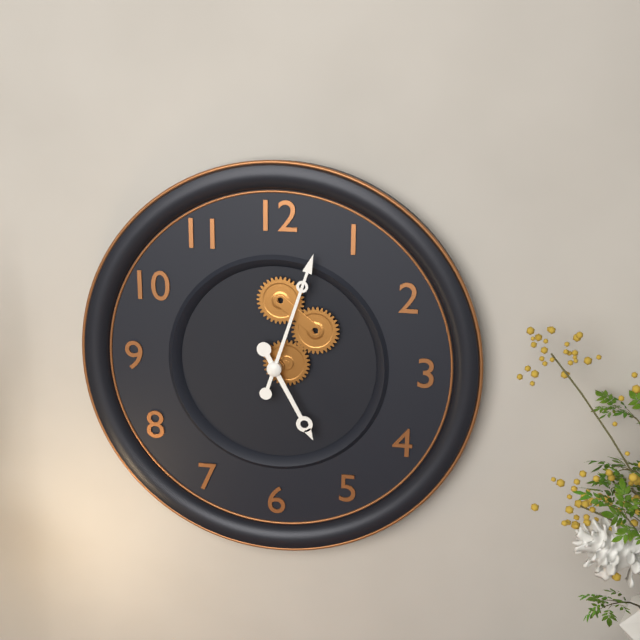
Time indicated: 5:03
